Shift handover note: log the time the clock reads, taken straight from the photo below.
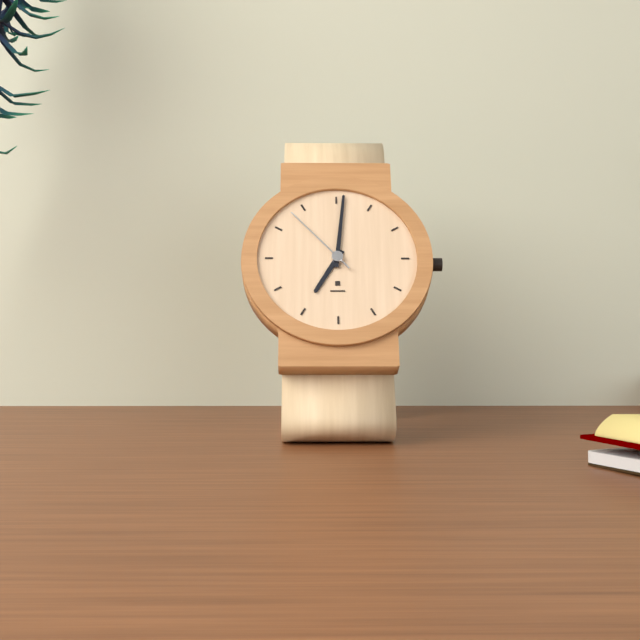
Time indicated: 7:01:53
